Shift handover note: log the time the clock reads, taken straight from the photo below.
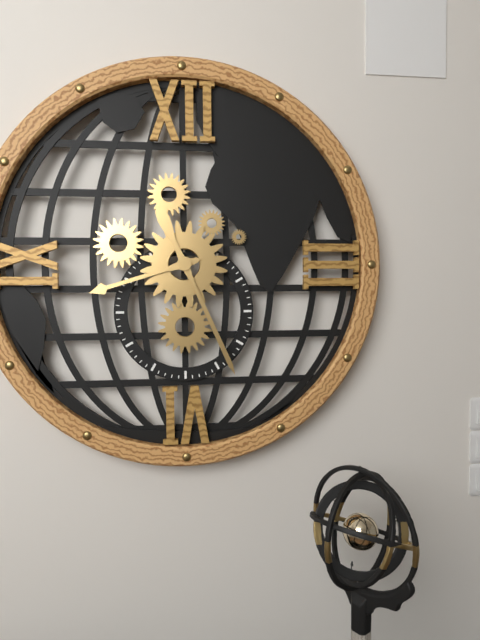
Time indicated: 8:26
